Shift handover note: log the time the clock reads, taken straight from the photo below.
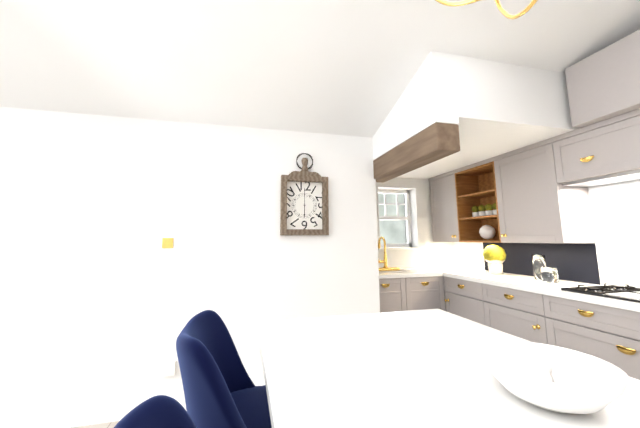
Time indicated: 6:00
